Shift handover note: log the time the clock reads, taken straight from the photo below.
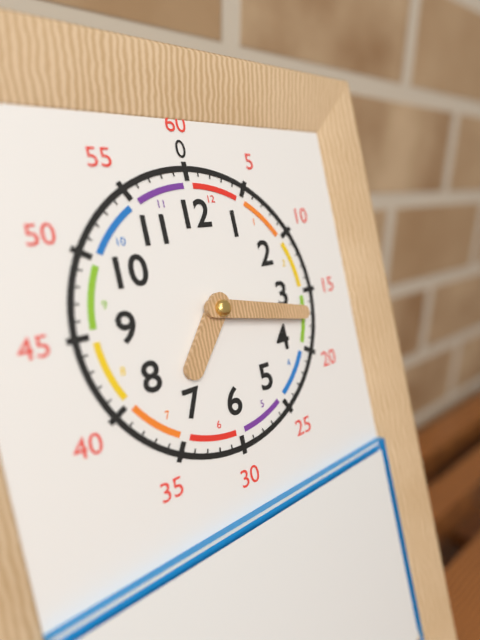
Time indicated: 7:17
